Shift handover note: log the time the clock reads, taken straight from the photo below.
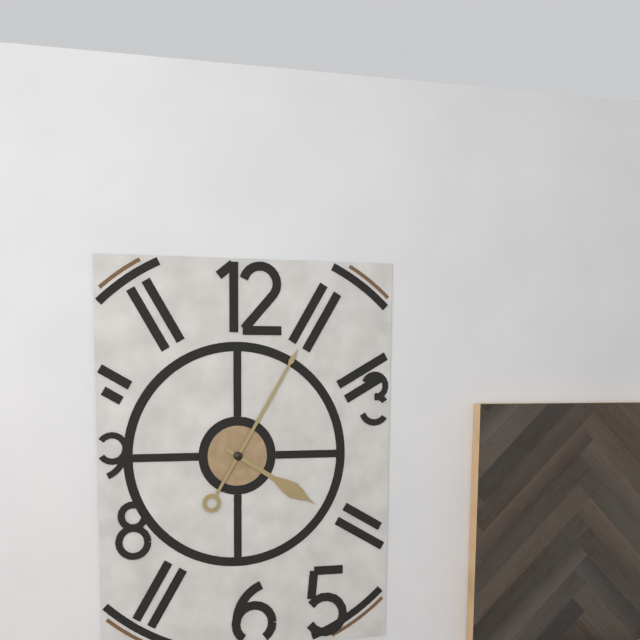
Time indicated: 4:05
